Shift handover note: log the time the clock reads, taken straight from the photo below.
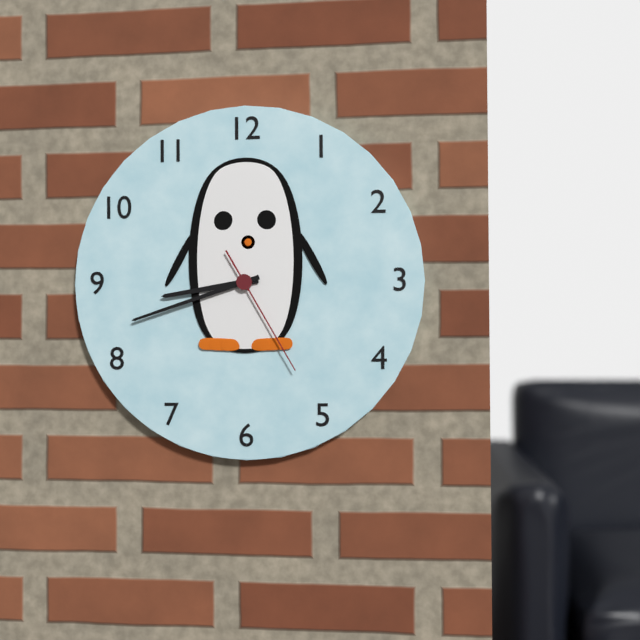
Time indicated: 8:42:25
